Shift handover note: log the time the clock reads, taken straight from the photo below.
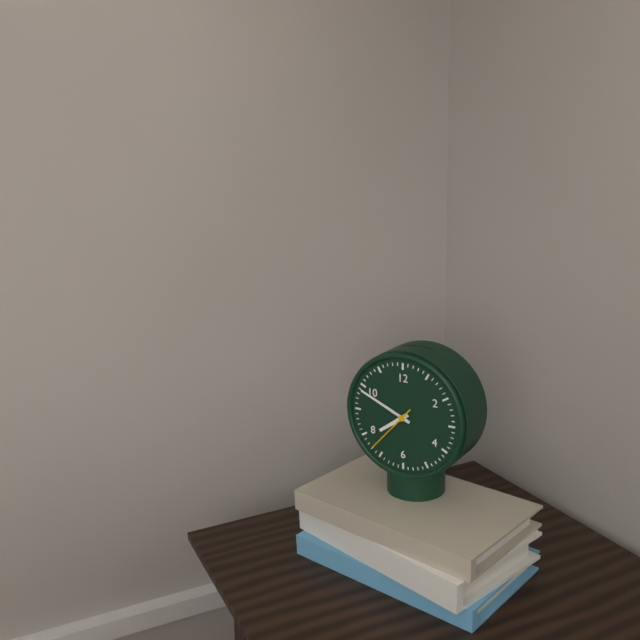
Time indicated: 7:49:37
